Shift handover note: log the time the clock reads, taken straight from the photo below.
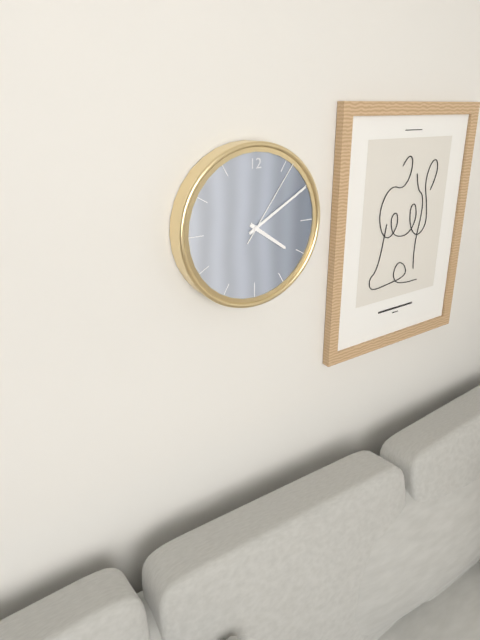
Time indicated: 4:10:06
